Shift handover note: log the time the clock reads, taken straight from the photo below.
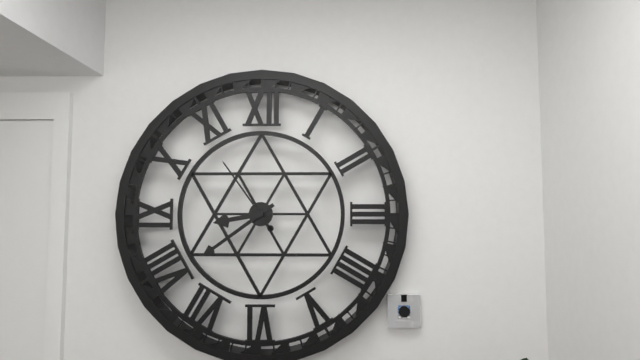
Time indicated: 8:39:54
